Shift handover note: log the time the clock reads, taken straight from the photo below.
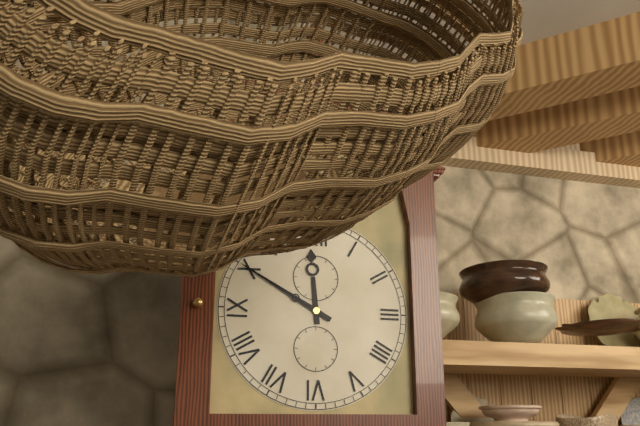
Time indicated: 11:50
